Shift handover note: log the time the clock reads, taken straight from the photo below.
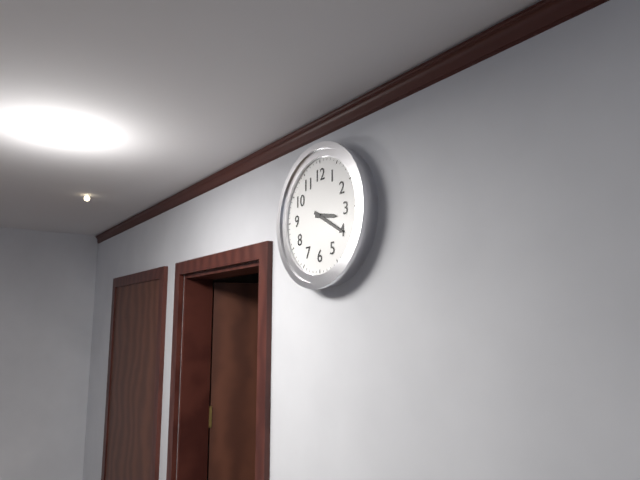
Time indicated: 3:20
